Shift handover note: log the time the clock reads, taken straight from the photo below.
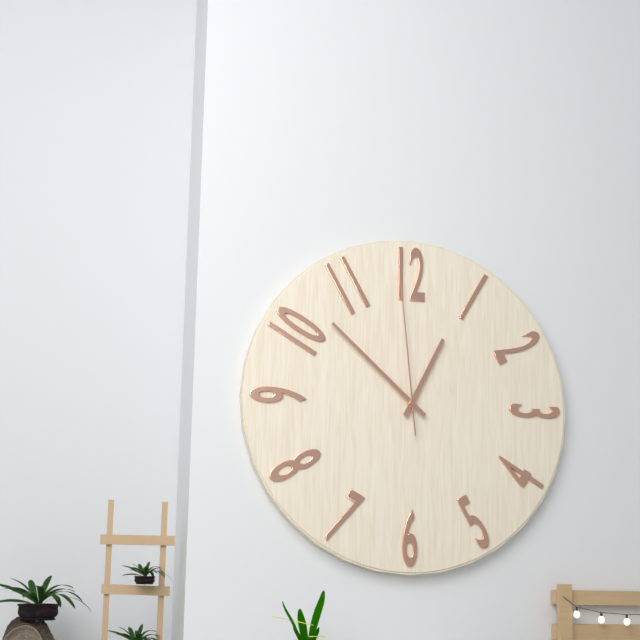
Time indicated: 12:52:59
